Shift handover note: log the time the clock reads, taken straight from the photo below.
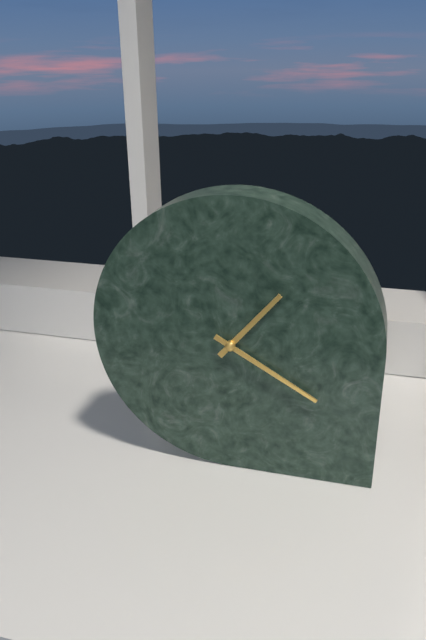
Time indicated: 1:20
